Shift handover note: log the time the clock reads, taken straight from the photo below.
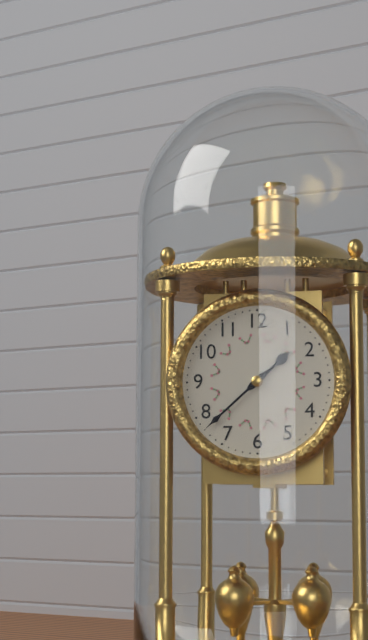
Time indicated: 1:38
